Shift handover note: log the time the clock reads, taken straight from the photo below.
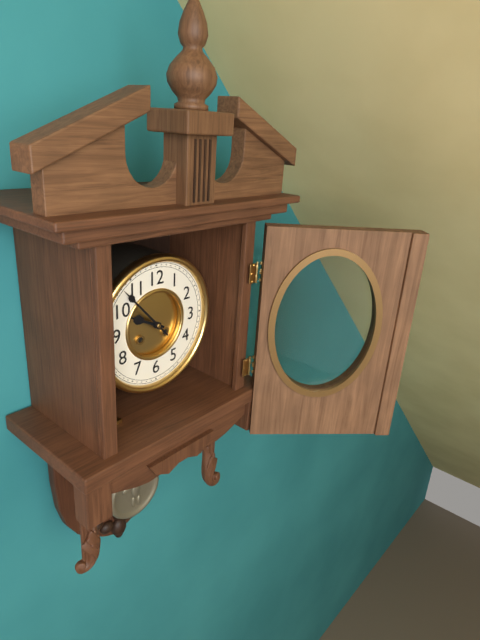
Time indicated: 9:53
